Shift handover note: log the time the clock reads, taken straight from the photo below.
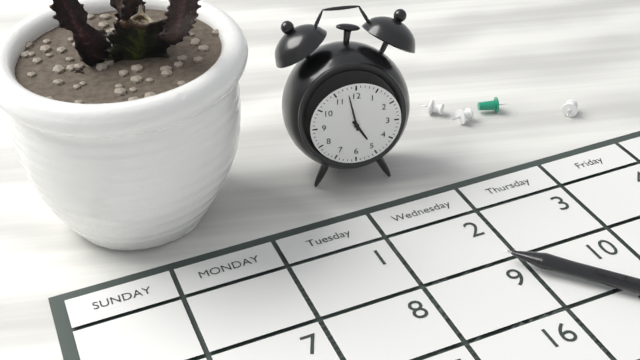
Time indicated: 4:58
